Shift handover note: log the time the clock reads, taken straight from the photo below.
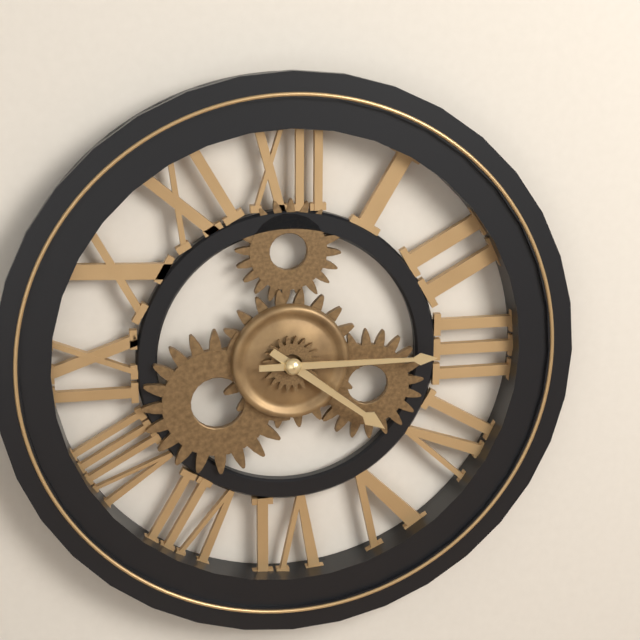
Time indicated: 4:15
